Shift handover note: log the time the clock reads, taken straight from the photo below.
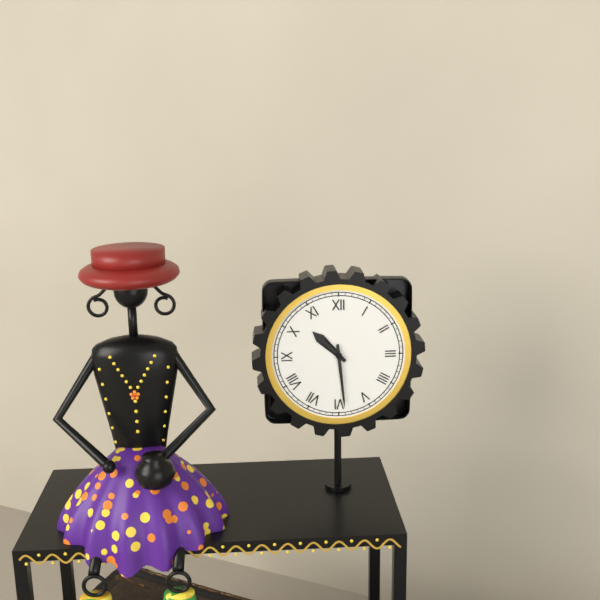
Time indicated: 10:29
